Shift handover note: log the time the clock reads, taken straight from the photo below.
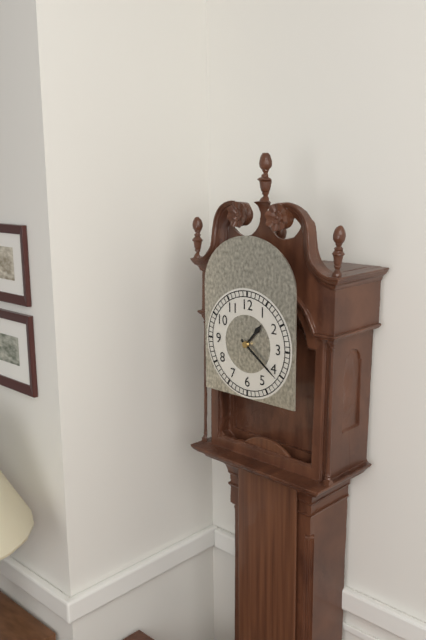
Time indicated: 1:21
